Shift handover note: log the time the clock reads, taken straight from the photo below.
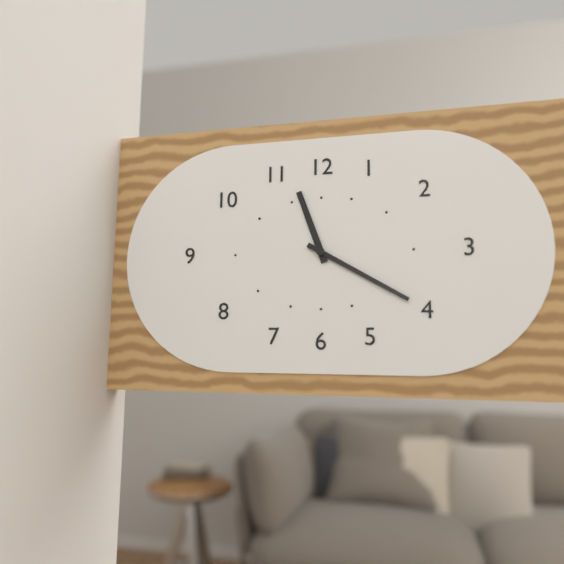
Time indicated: 11:20
